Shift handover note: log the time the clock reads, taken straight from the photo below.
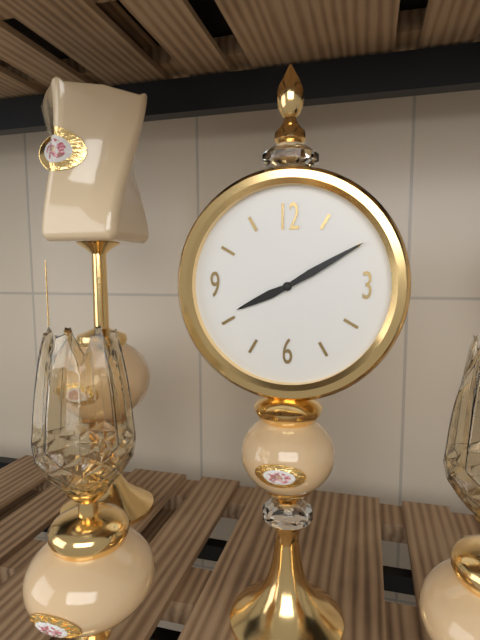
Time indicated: 8:10
